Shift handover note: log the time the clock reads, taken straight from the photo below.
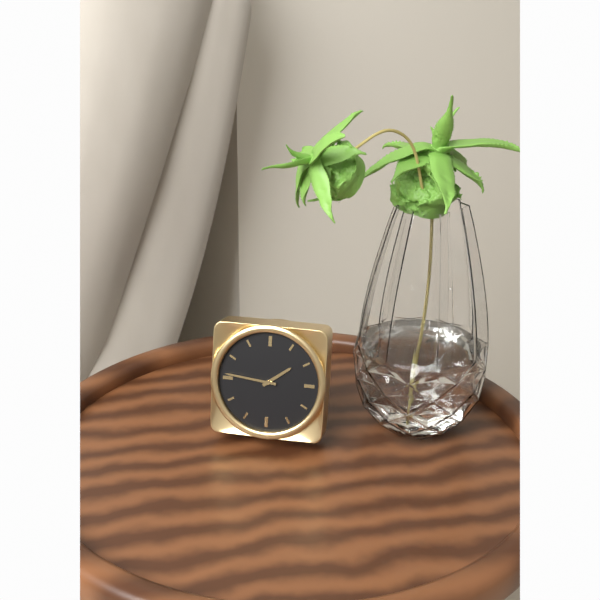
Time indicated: 1:46
